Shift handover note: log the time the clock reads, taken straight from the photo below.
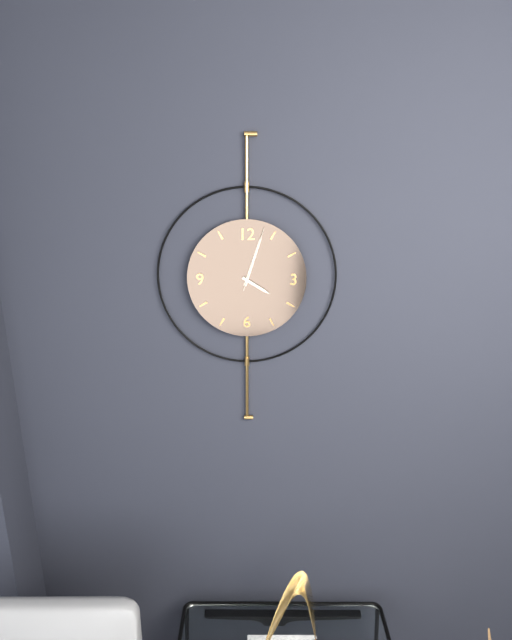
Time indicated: 4:03:03
